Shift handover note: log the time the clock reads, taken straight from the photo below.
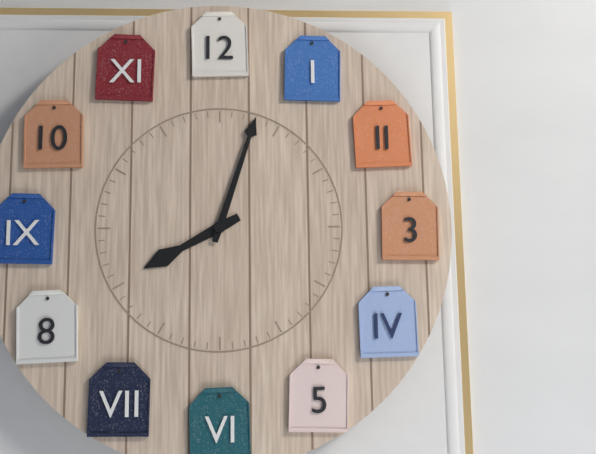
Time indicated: 8:03
